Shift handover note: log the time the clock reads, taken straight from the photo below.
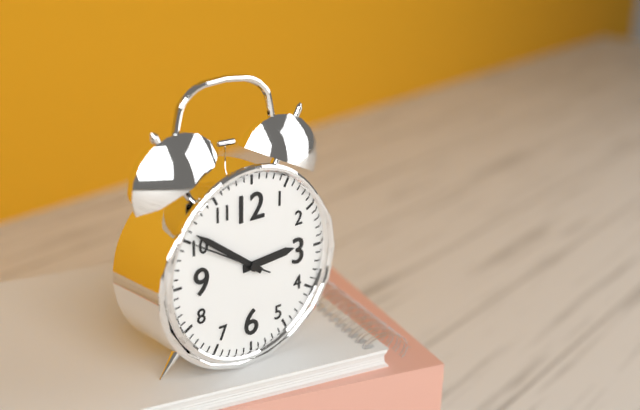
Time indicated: 2:51:50
